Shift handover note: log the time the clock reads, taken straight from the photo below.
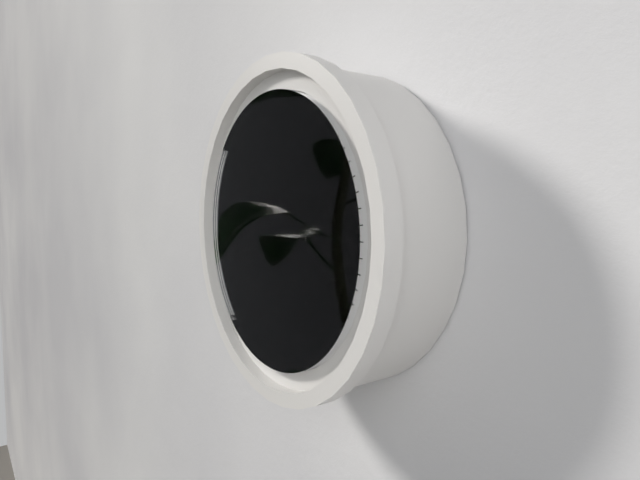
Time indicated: 8:44:26
